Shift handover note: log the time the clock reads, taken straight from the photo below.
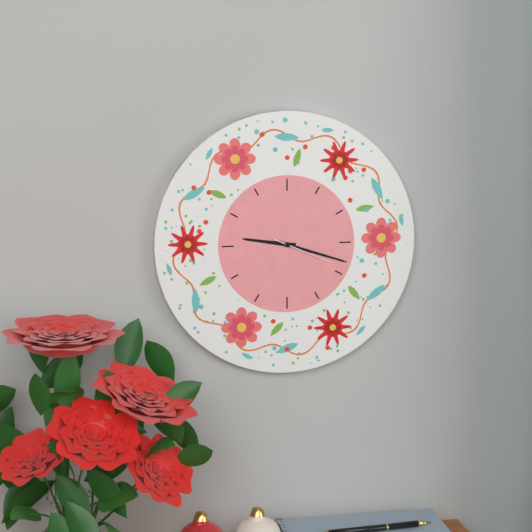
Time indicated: 9:18:19
